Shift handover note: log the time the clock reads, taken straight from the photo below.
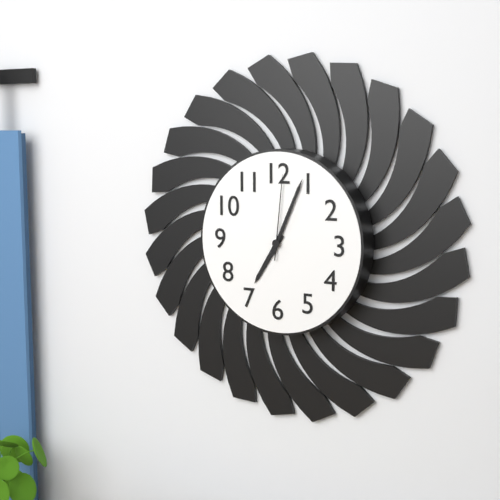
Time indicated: 7:04:01
